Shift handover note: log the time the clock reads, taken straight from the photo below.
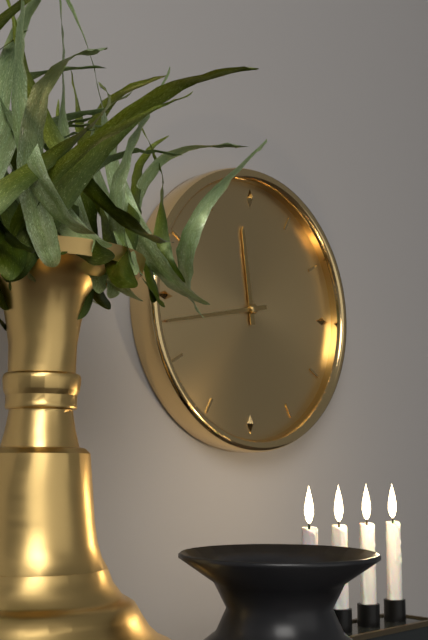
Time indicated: 11:43
